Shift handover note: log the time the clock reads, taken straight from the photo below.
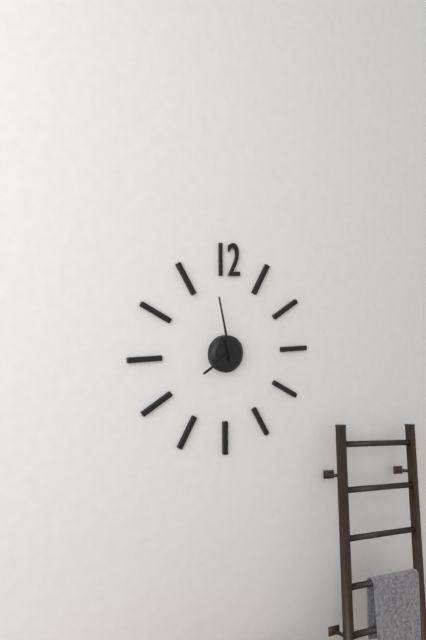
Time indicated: 7:58
